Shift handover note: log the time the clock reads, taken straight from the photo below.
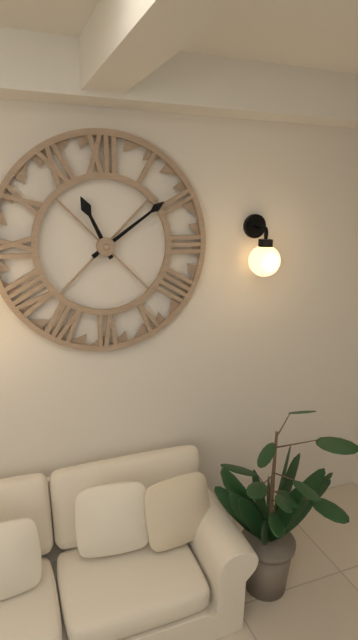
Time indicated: 11:09
